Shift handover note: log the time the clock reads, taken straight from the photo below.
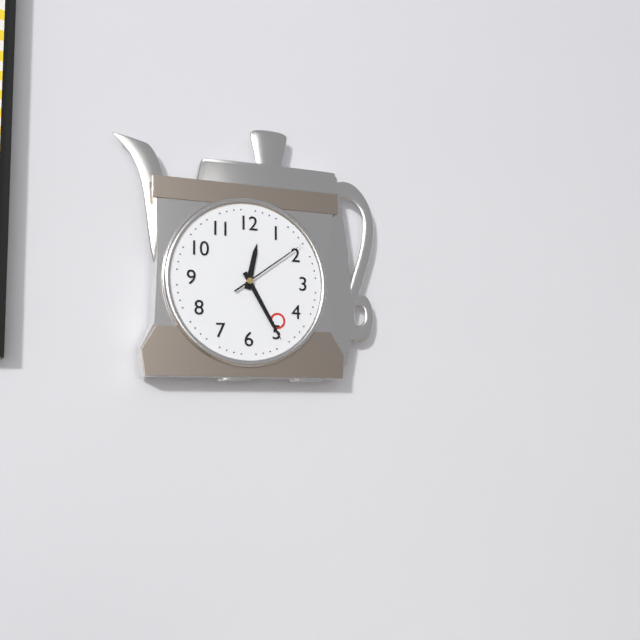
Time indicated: 12:25:09
